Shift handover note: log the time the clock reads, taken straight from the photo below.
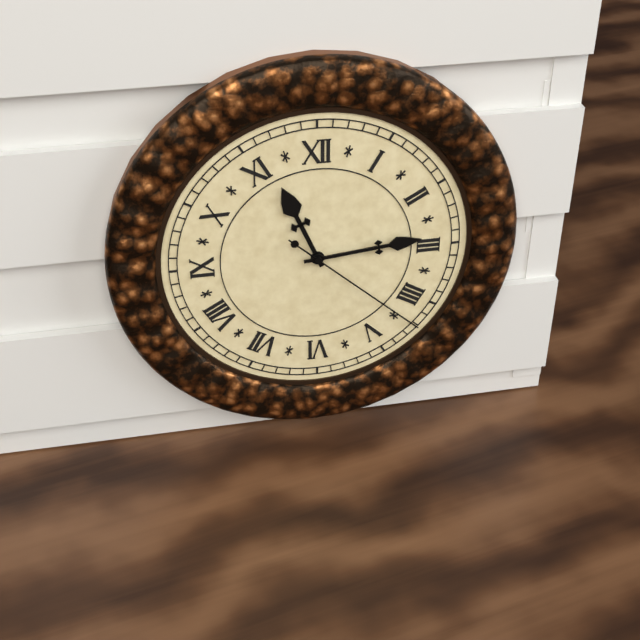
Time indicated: 11:14:22
